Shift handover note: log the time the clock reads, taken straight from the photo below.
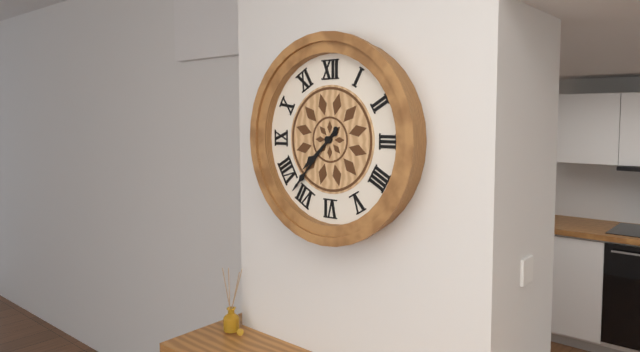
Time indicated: 7:37
